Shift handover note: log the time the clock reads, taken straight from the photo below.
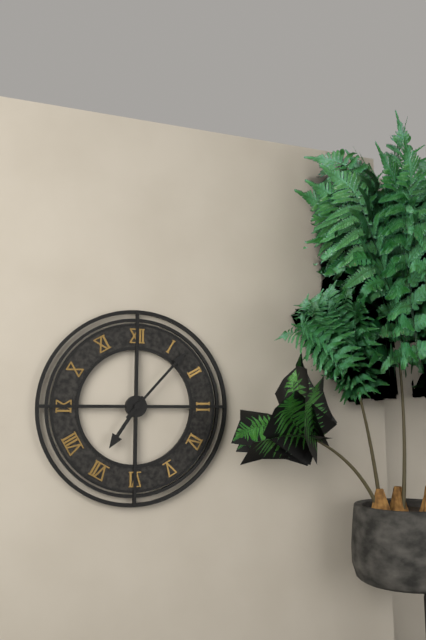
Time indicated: 7:07
